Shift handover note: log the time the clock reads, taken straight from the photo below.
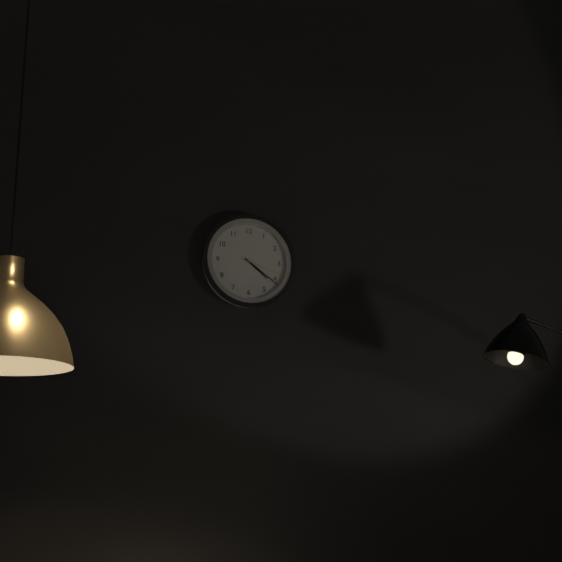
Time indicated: 4:21
